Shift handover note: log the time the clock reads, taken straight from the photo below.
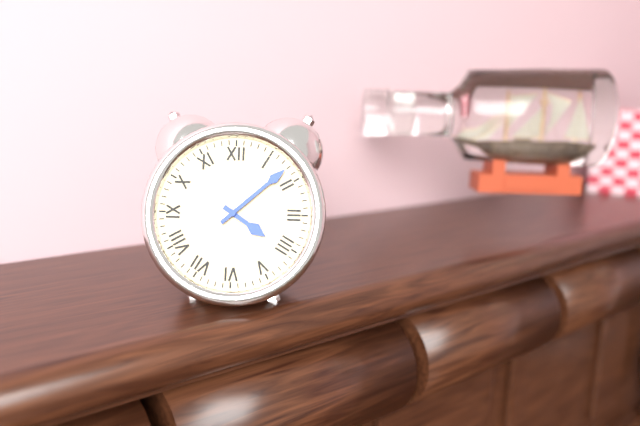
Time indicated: 4:08
